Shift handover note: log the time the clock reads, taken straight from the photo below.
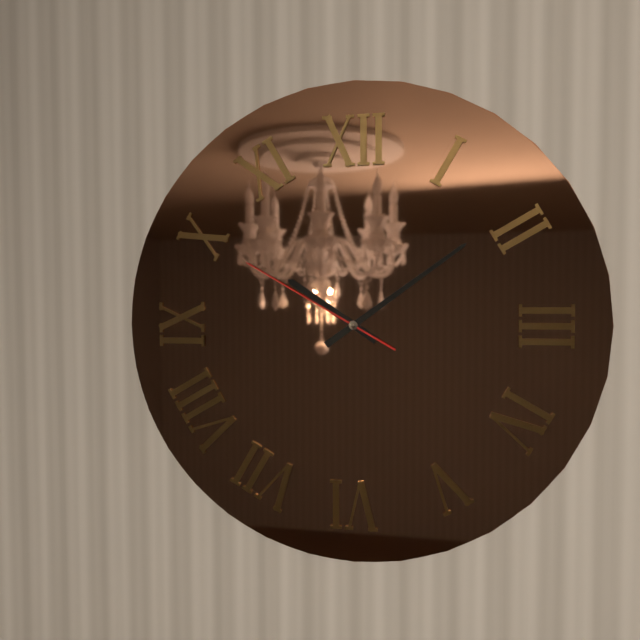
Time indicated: 10:09:50
